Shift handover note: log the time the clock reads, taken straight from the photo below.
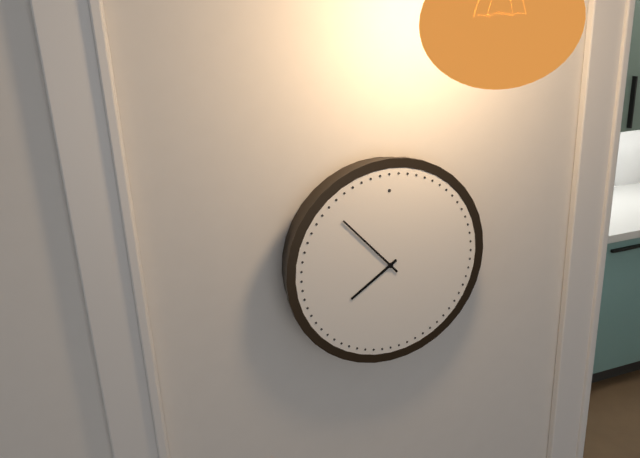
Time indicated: 7:53
